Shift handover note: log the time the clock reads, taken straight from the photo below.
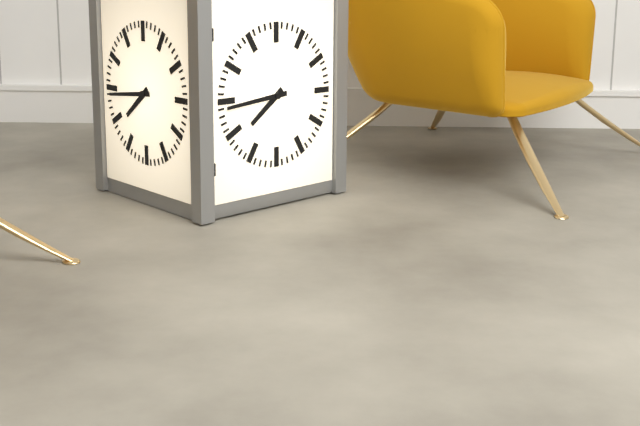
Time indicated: 7:44
